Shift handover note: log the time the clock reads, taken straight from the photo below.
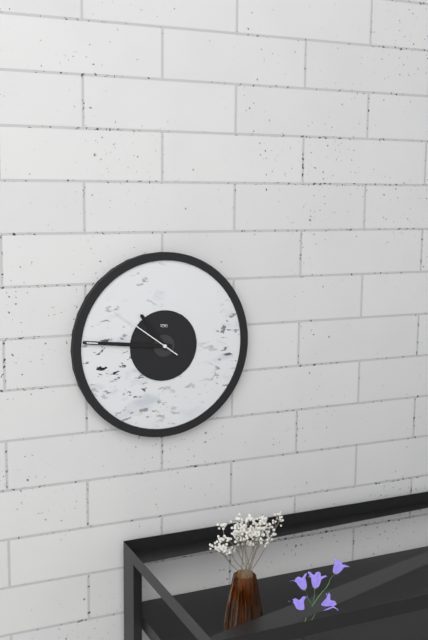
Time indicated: 10:46:51
